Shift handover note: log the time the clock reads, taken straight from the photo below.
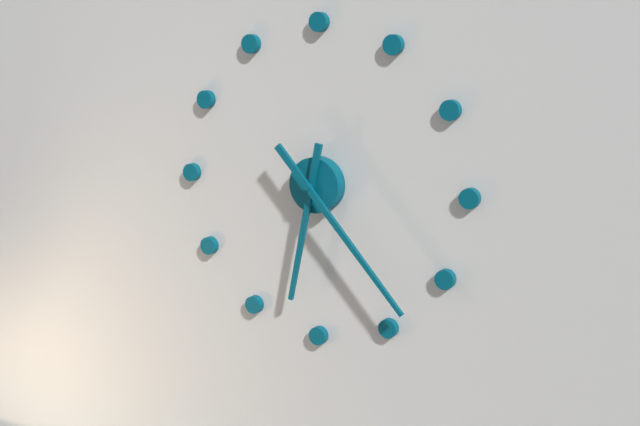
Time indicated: 6:23
